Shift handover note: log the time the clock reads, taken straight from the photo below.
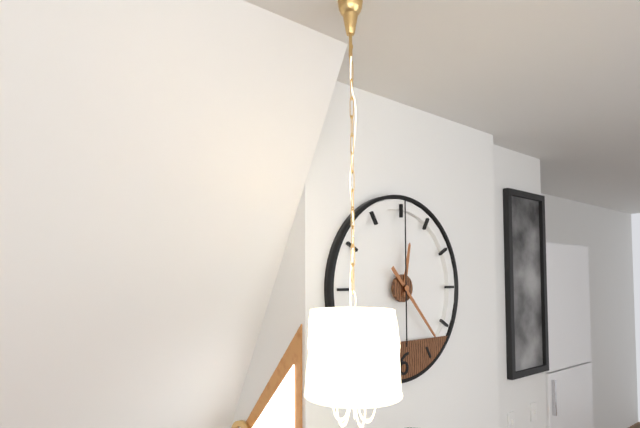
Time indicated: 12:23:00
